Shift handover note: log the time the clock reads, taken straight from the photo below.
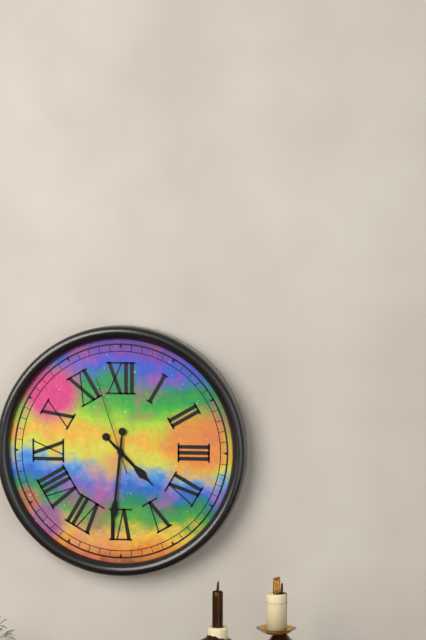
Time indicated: 4:31:57
